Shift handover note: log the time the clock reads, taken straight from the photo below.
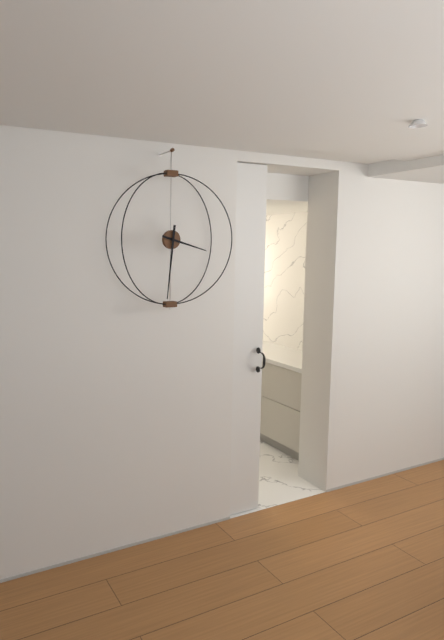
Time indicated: 3:31
